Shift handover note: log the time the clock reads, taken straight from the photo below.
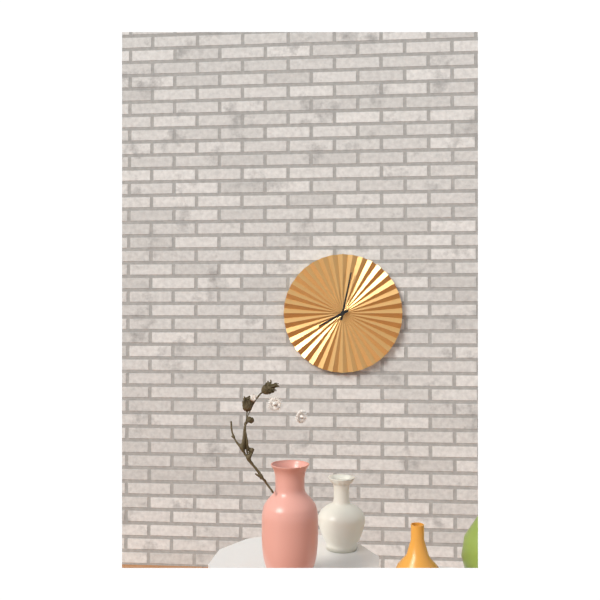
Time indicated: 8:02
